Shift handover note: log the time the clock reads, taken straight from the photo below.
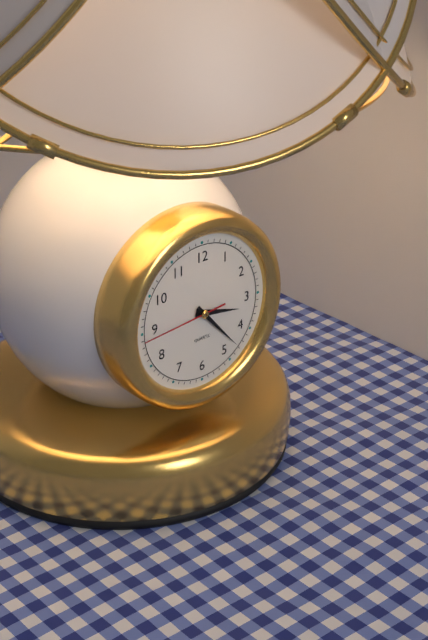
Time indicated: 3:23:44
